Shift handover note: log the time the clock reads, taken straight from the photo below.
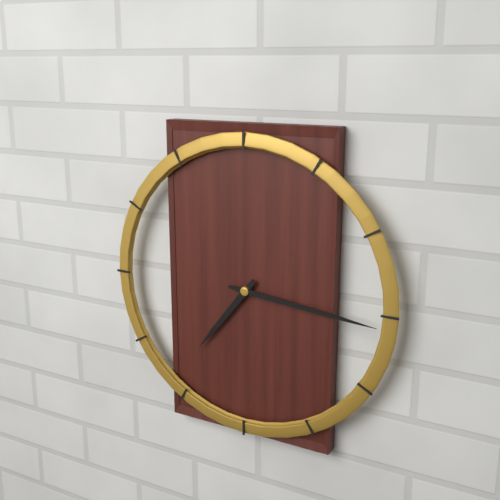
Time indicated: 7:16
